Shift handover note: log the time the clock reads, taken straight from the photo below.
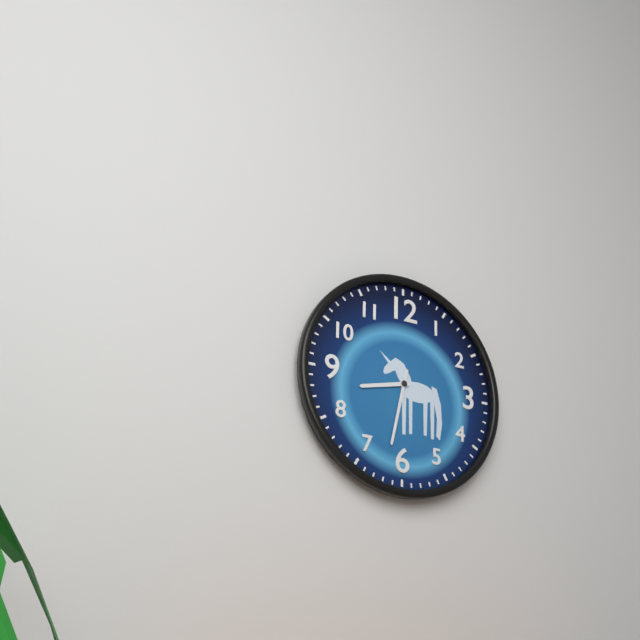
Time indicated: 8:32
